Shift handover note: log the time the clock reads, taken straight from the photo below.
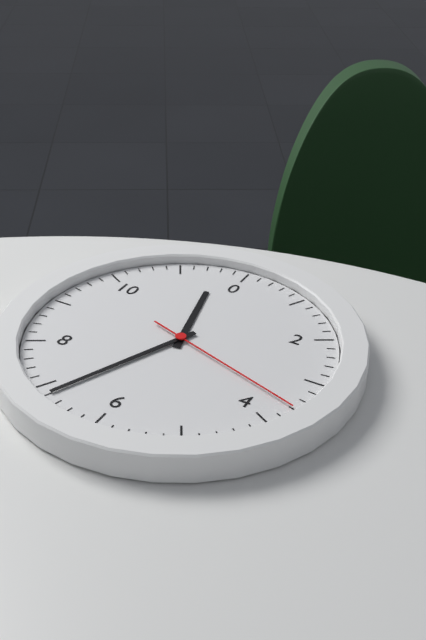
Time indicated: 11:34:18
